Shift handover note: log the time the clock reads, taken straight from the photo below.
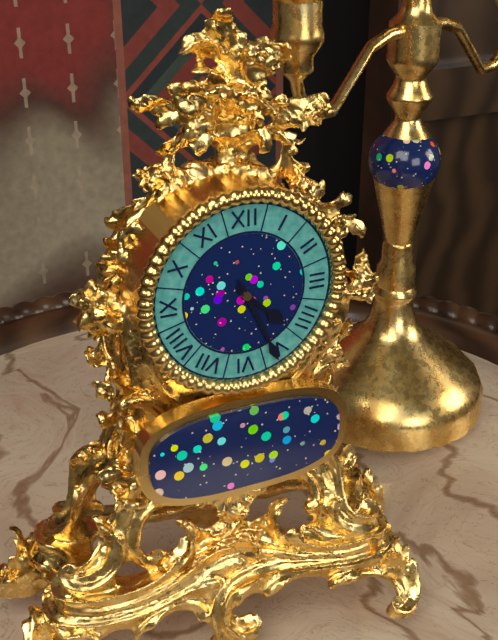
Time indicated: 4:26
